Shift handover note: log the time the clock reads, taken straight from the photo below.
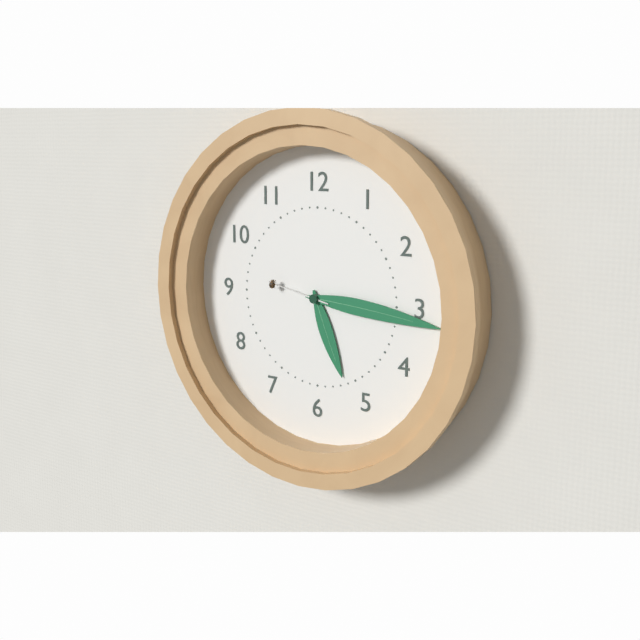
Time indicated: 5:16:47
